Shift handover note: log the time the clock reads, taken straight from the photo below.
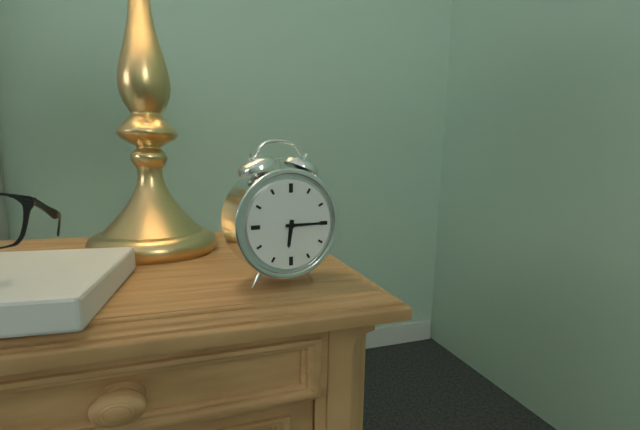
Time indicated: 6:15
